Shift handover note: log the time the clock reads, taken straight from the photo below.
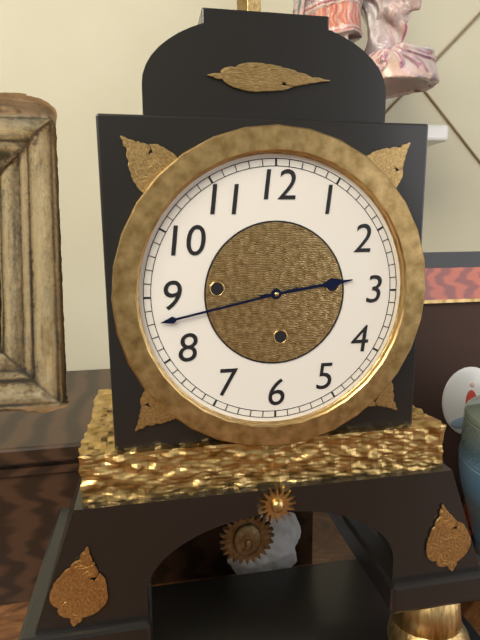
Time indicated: 2:43
